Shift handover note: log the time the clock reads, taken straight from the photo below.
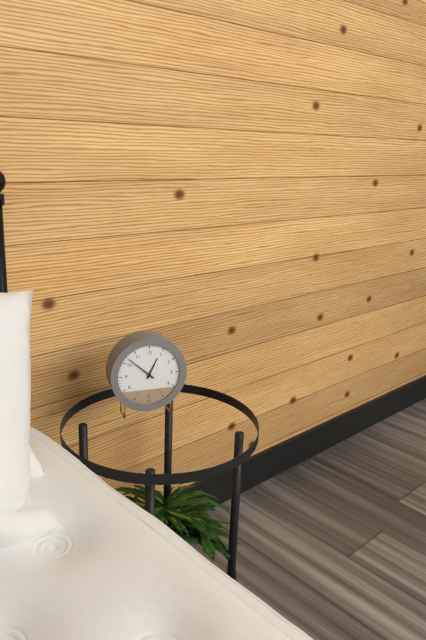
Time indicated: 12:52
